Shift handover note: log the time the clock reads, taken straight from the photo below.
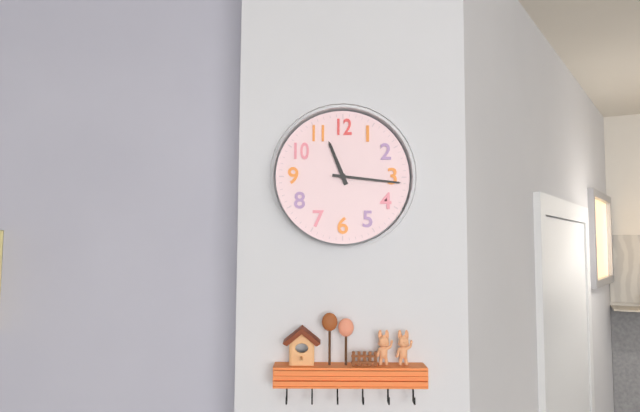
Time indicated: 11:16
